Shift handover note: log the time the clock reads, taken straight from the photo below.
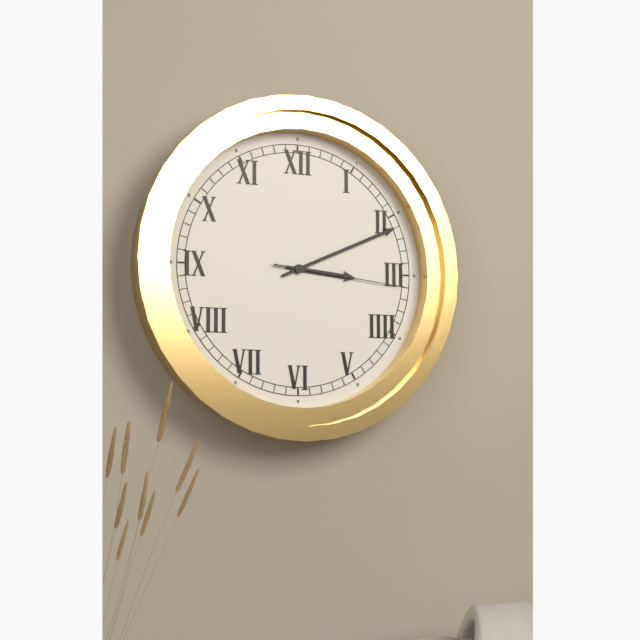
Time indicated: 3:11:16
